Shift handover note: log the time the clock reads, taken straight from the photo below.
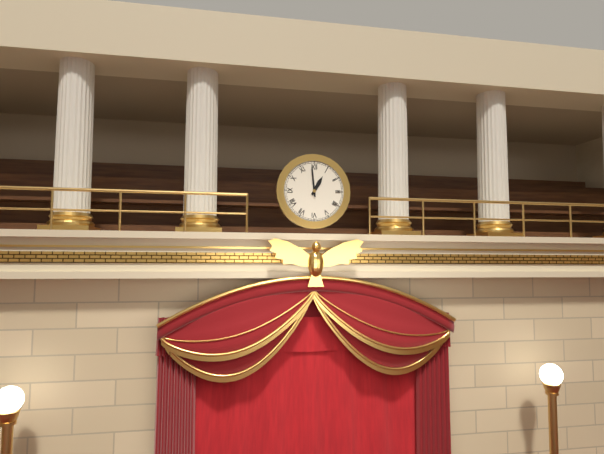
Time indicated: 12:59
